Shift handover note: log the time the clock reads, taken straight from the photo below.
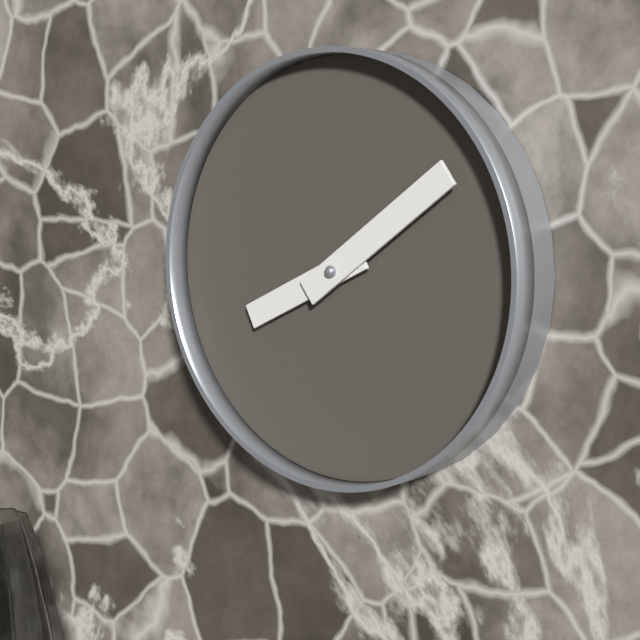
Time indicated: 8:09
